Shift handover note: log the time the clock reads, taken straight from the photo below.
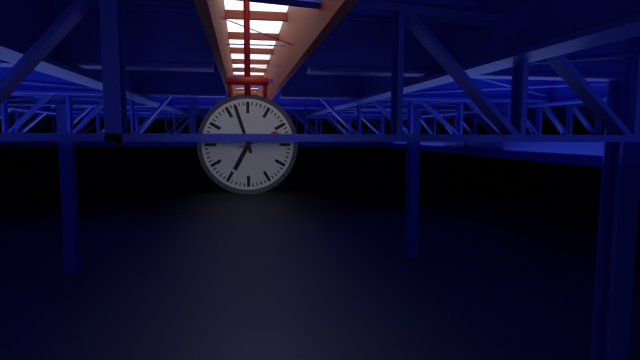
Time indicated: 6:57
